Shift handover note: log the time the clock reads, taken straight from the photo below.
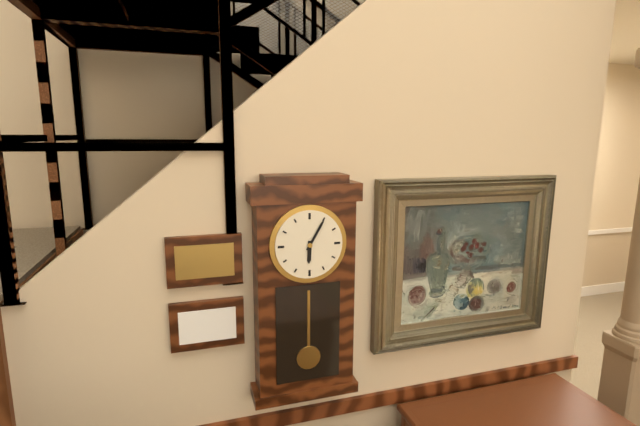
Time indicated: 6:05
